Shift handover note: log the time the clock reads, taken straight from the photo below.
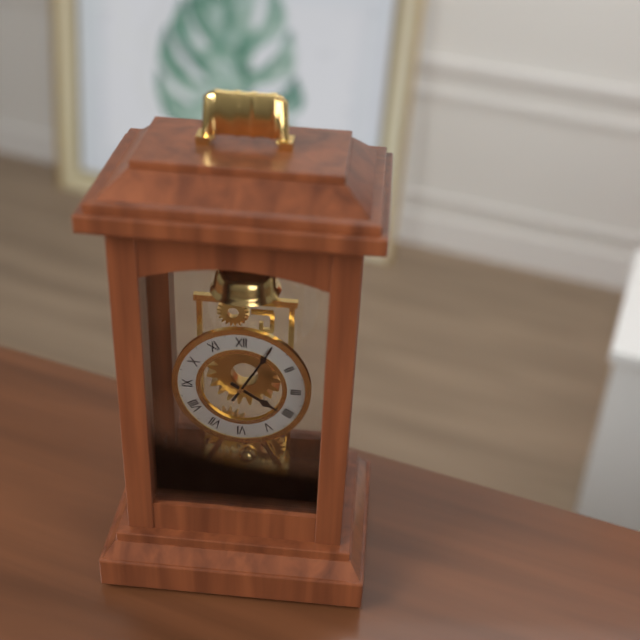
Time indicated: 4:05
